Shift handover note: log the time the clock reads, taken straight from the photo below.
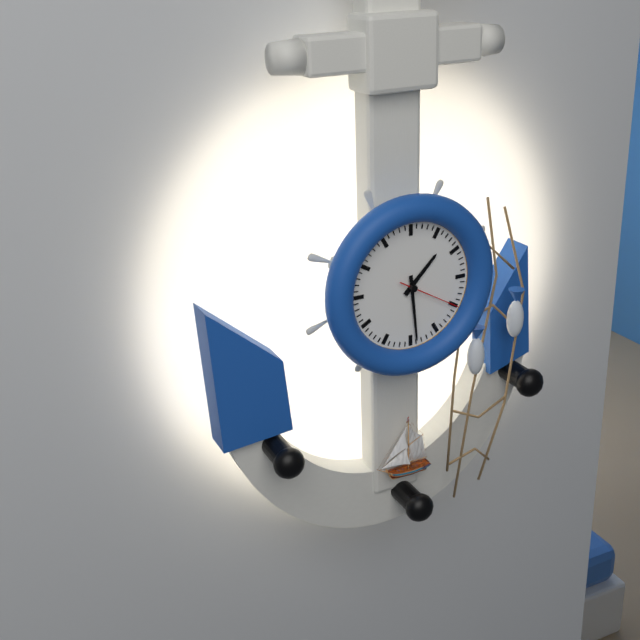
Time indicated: 1:29:20
